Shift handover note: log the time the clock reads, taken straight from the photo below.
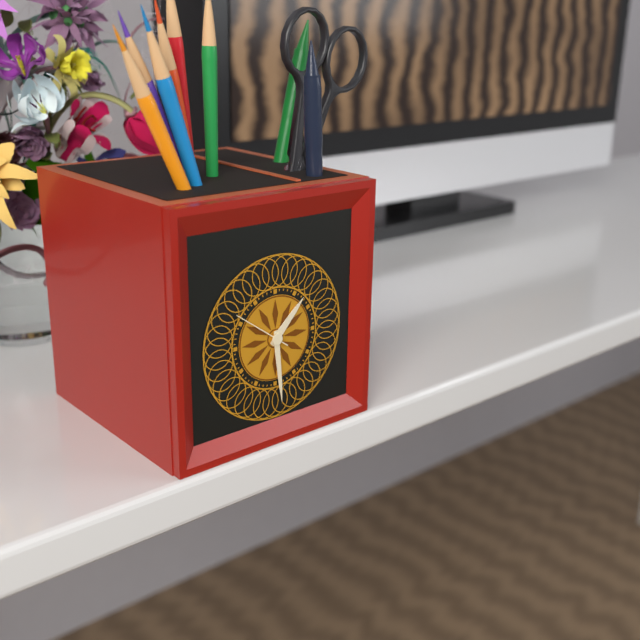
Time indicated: 1:29:51
